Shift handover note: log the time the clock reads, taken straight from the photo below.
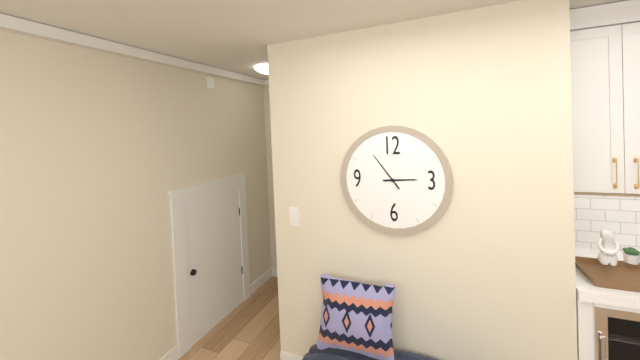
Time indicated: 2:54
